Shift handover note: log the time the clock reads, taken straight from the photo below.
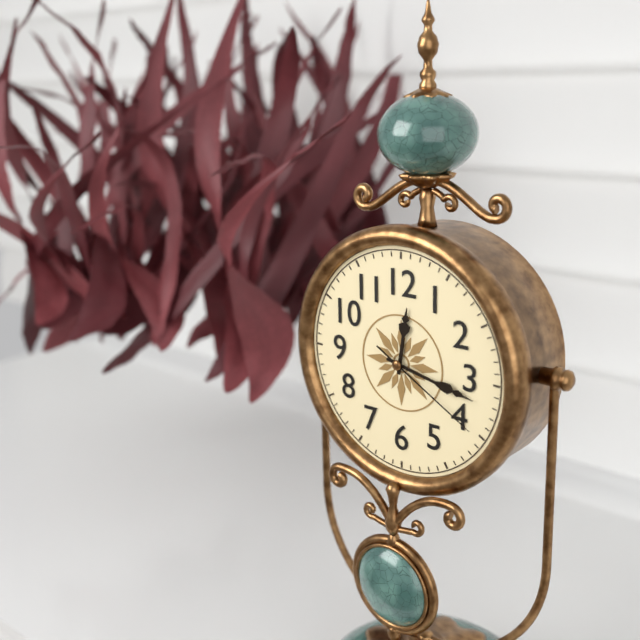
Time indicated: 12:17:20
